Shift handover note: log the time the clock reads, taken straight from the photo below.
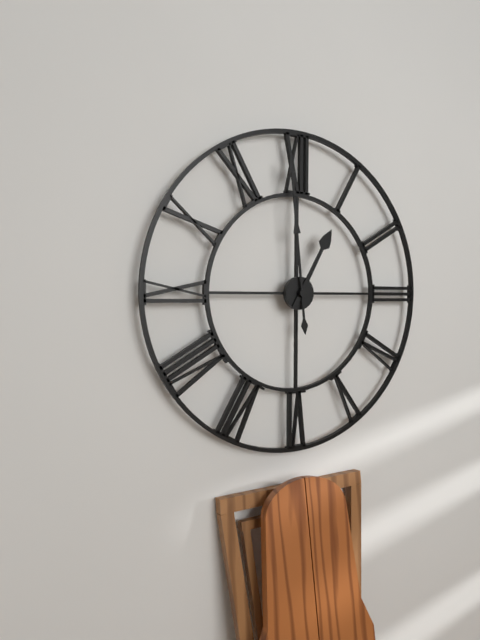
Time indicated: 12:59
